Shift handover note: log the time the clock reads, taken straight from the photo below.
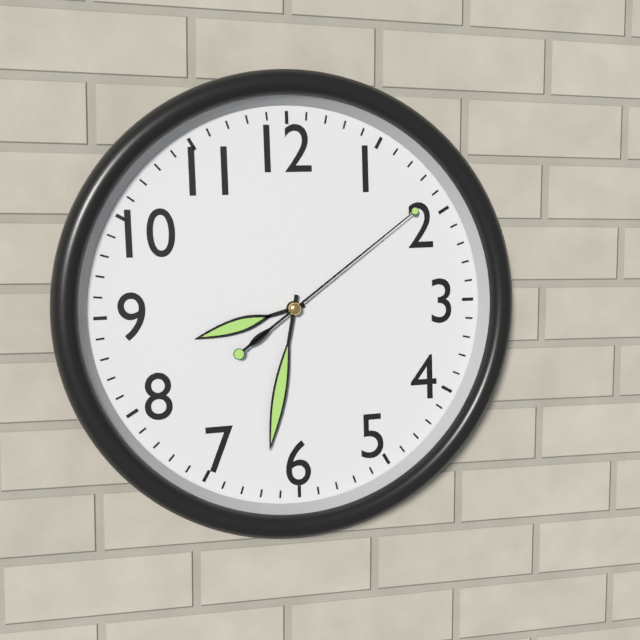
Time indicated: 8:32:09
